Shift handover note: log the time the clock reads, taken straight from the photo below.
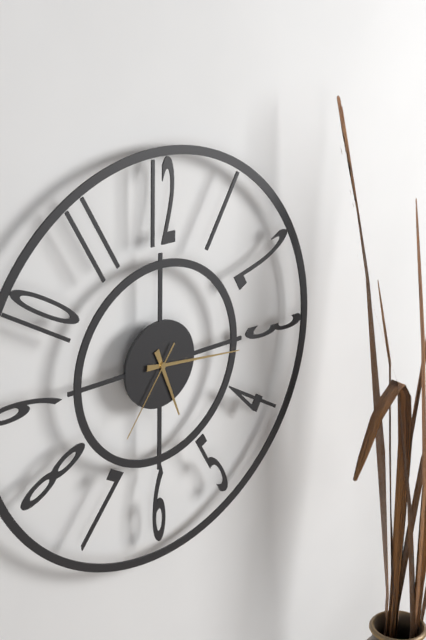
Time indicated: 5:16:36
